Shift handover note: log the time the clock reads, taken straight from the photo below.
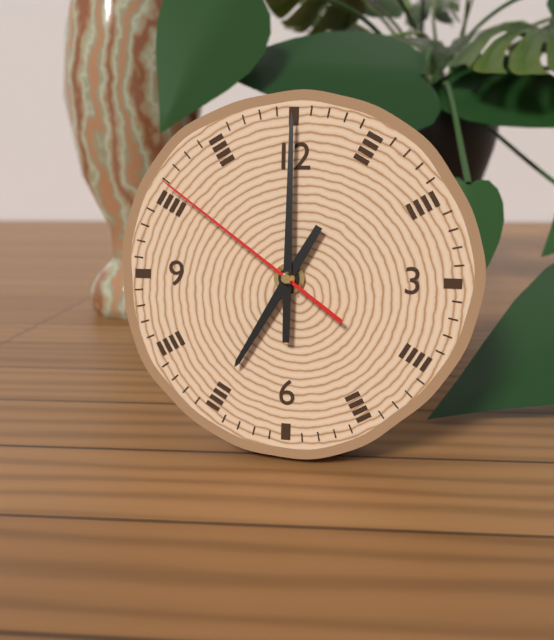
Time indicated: 7:00:51
